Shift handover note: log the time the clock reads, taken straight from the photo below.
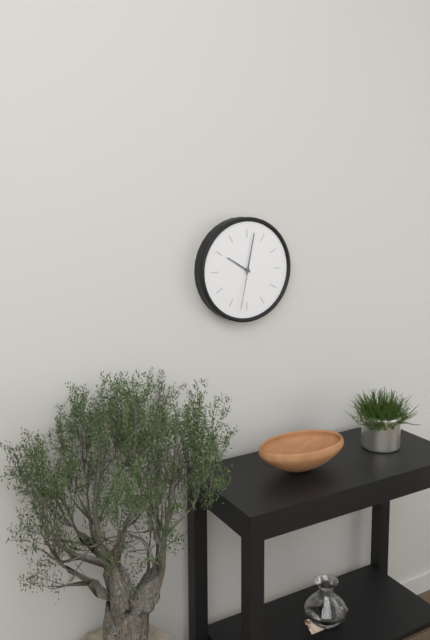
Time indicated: 10:02
